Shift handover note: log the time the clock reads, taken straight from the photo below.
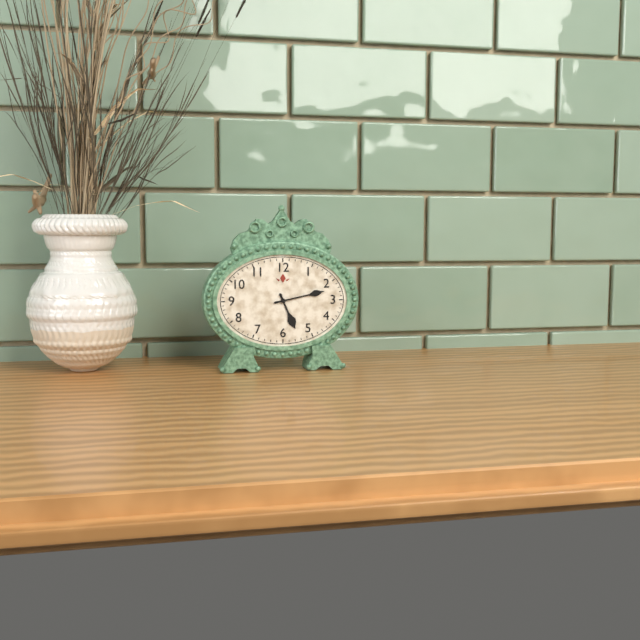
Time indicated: 5:13
